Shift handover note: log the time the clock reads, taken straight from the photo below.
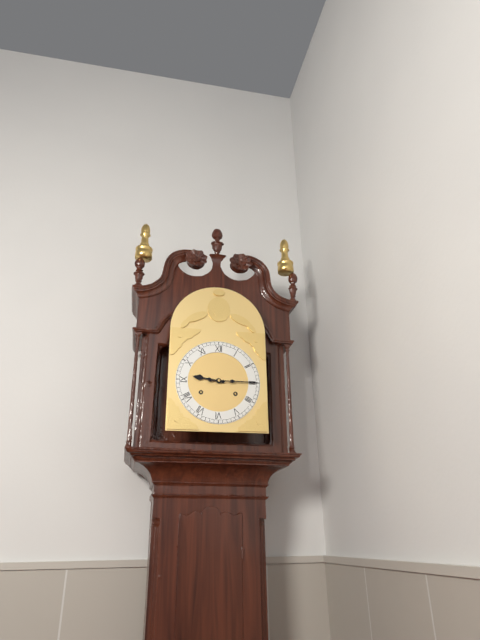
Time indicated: 9:15
